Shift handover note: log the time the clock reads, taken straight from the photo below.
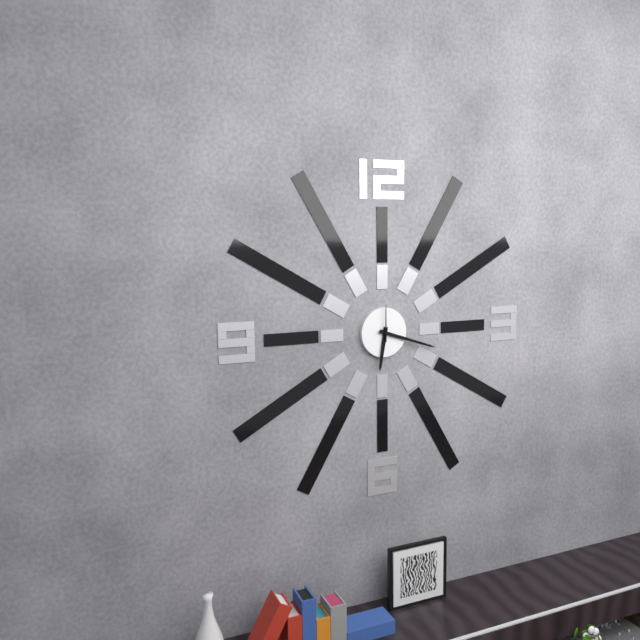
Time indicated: 6:18
